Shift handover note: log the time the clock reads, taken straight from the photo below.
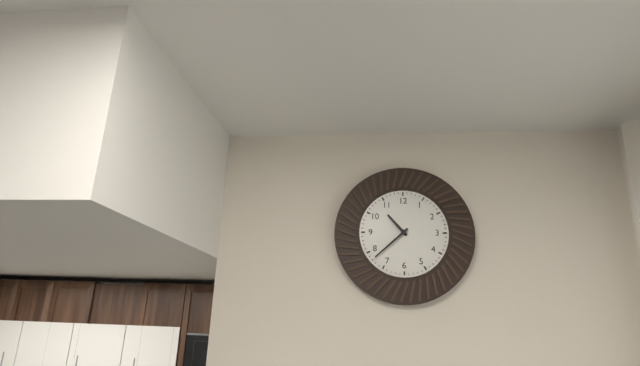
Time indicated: 10:38
